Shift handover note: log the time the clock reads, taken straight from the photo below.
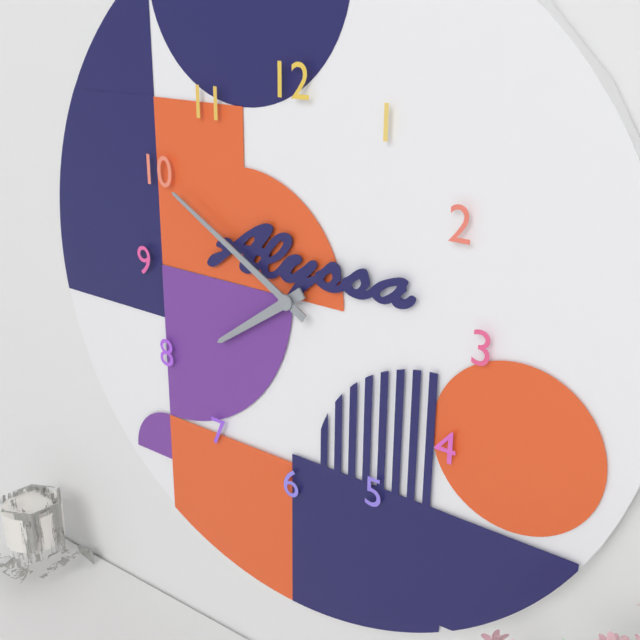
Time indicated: 7:50
